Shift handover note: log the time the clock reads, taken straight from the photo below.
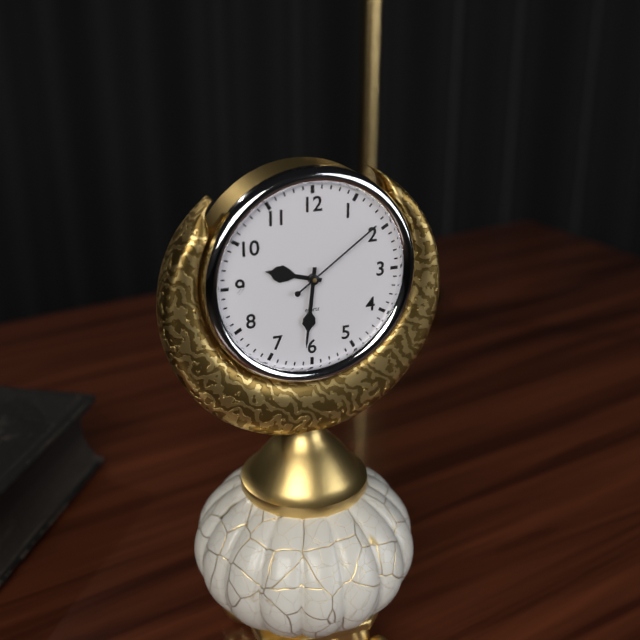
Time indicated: 9:31:09
